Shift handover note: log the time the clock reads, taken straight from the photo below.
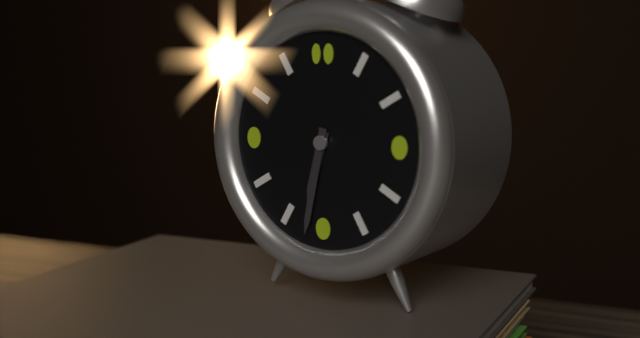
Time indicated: 6:32
